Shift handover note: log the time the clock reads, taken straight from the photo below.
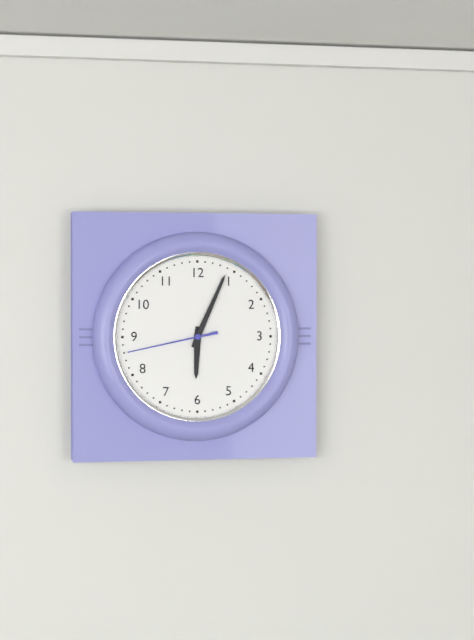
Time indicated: 6:04:43
